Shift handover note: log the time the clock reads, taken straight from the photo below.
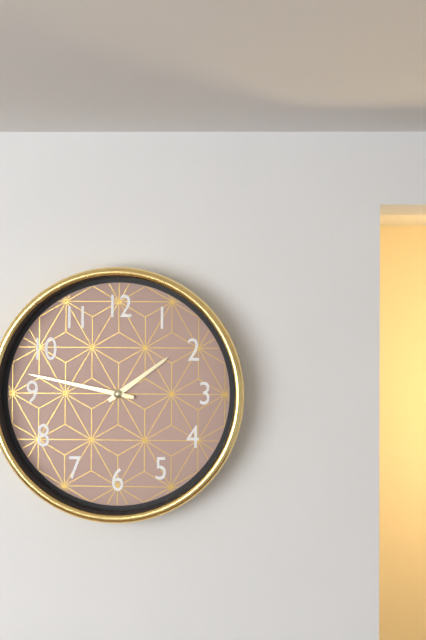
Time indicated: 1:47
